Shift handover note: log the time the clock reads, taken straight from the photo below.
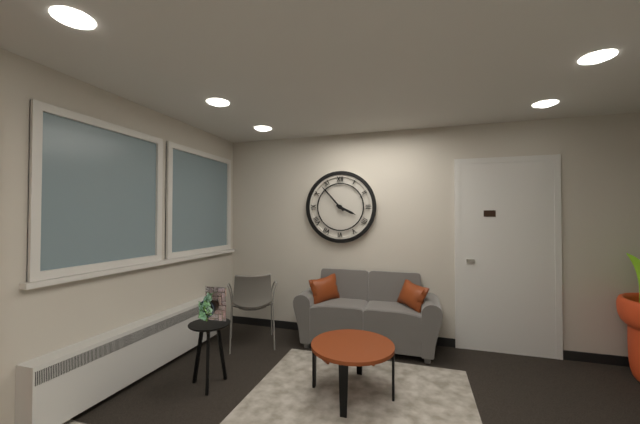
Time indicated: 3:53
